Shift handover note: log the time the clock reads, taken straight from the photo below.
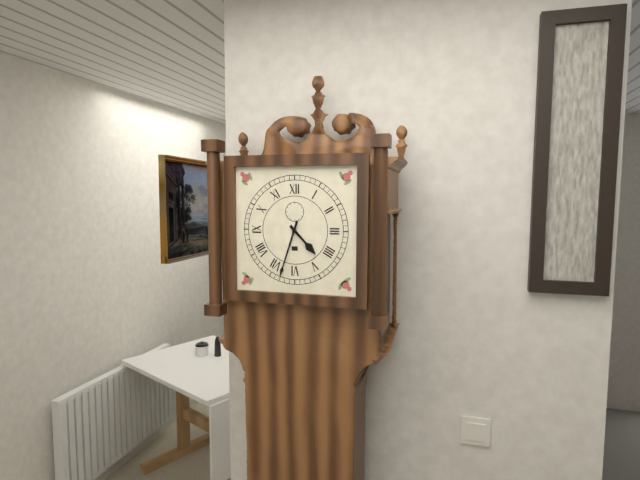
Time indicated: 4:33
